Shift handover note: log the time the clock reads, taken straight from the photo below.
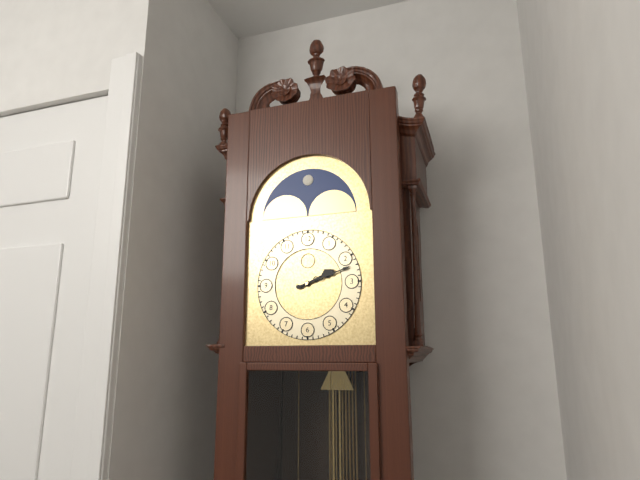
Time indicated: 2:12
